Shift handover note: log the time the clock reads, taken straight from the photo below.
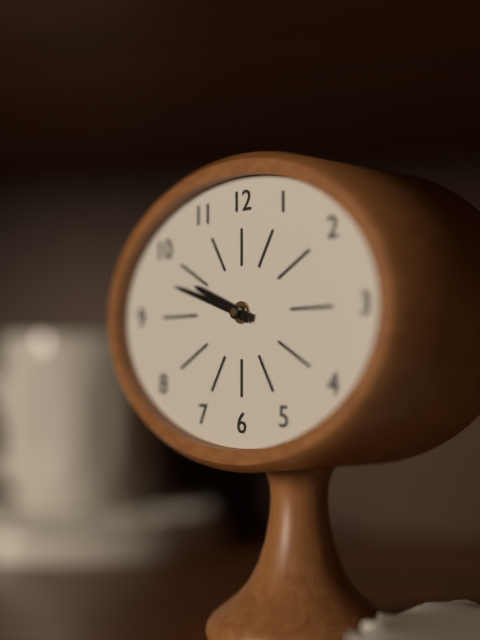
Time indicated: 9:48
